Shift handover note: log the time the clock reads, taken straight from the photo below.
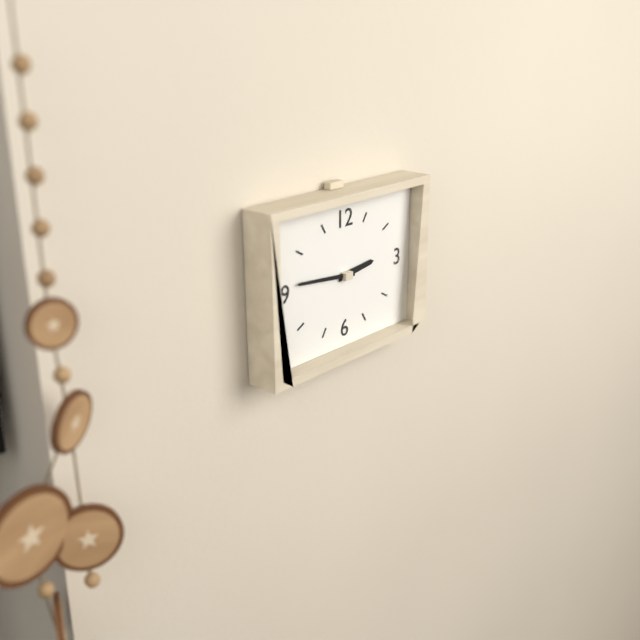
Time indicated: 2:46
